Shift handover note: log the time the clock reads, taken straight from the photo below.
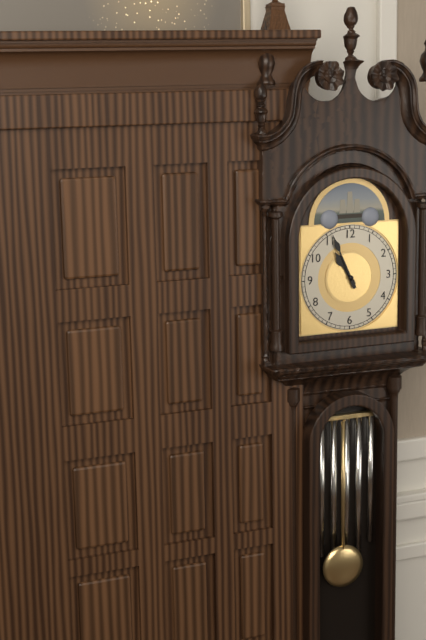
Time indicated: 10:56
